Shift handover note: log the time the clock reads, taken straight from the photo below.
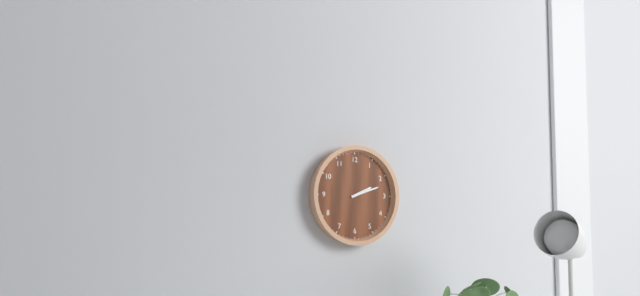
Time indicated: 2:12
